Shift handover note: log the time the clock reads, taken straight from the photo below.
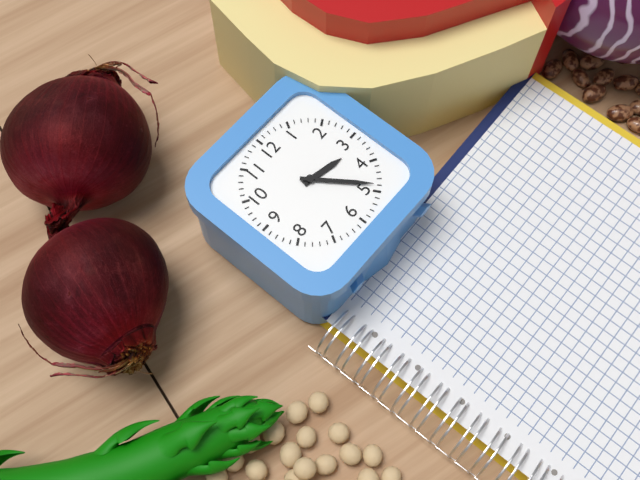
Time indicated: 3:24
